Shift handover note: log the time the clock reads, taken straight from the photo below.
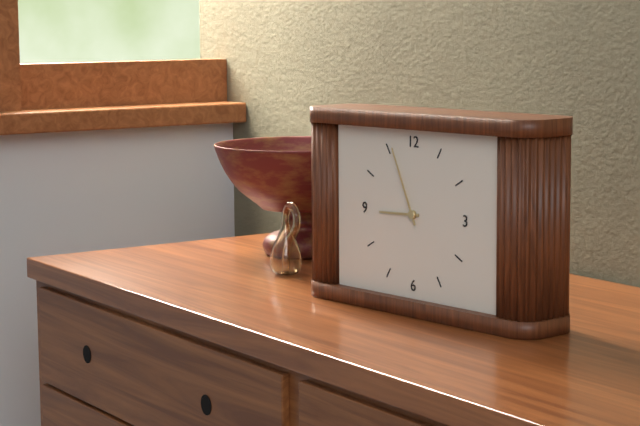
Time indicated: 8:56
